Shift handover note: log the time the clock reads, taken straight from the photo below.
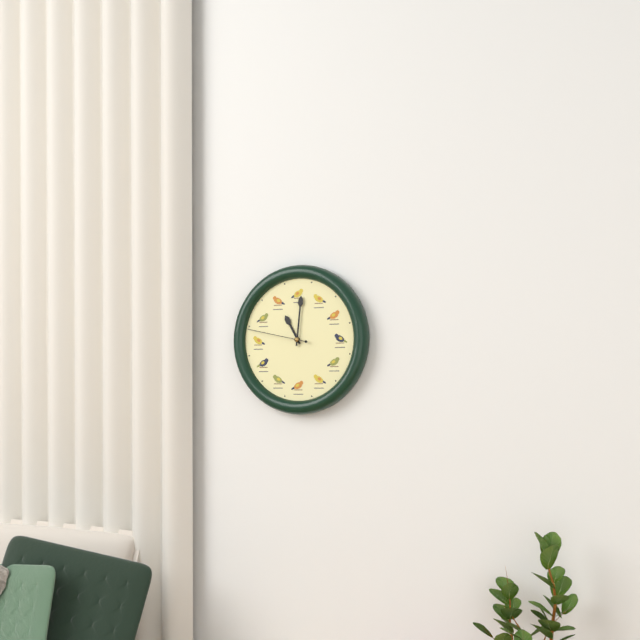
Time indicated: 11:01:47
